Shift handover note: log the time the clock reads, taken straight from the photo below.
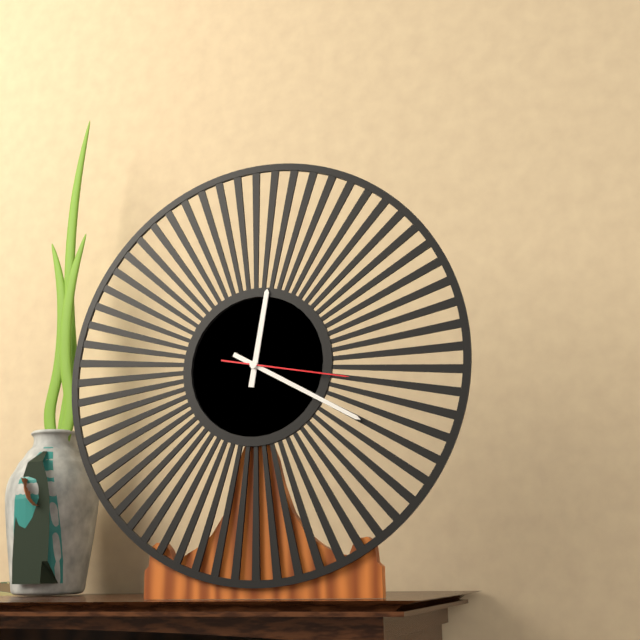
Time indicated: 12:20:17
